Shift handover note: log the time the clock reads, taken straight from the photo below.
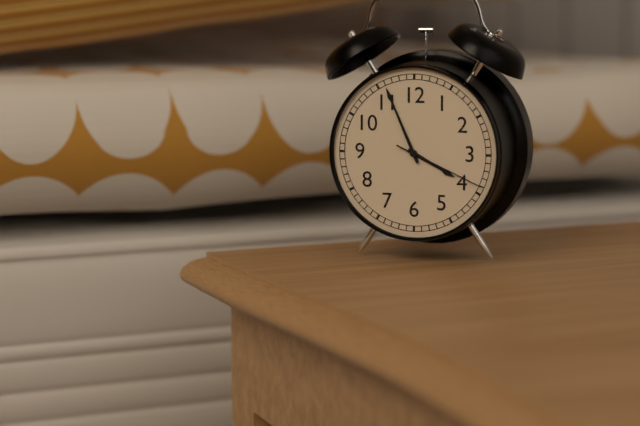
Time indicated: 3:56:19
